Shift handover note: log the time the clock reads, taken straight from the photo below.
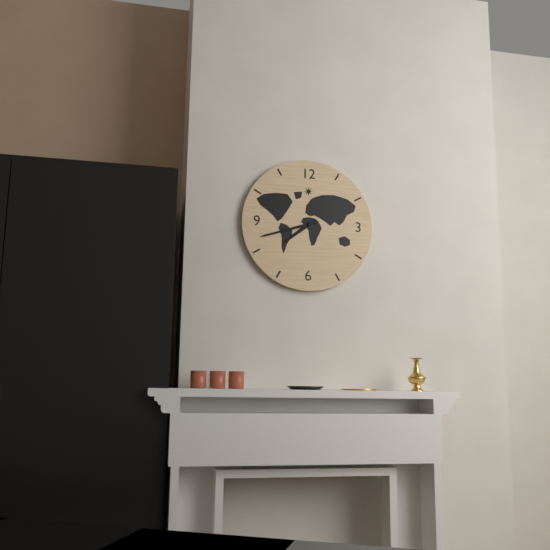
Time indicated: 7:42
